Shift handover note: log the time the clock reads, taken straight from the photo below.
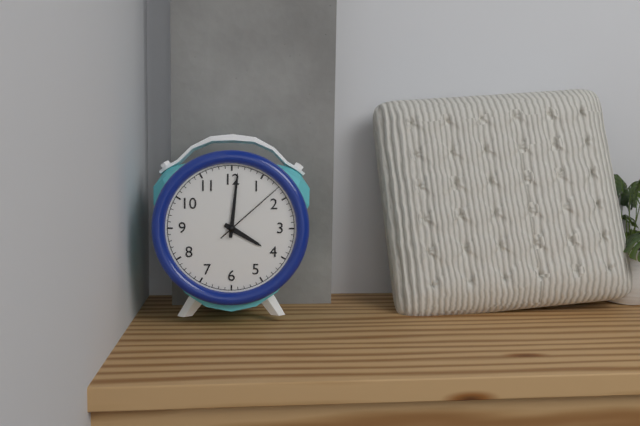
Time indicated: 4:01:08
